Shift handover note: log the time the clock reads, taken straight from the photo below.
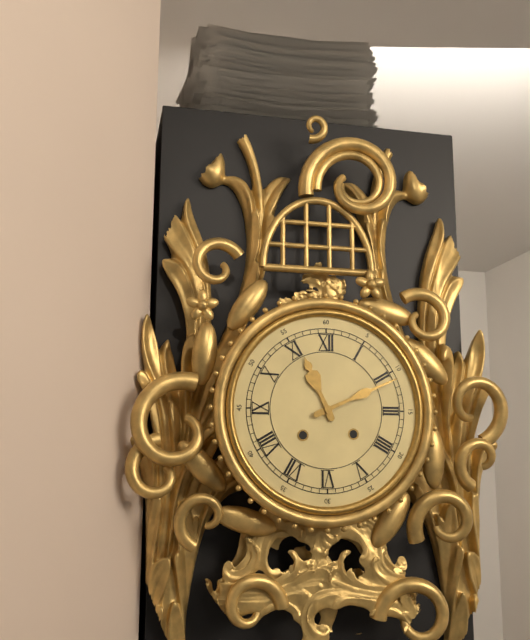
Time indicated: 11:11
